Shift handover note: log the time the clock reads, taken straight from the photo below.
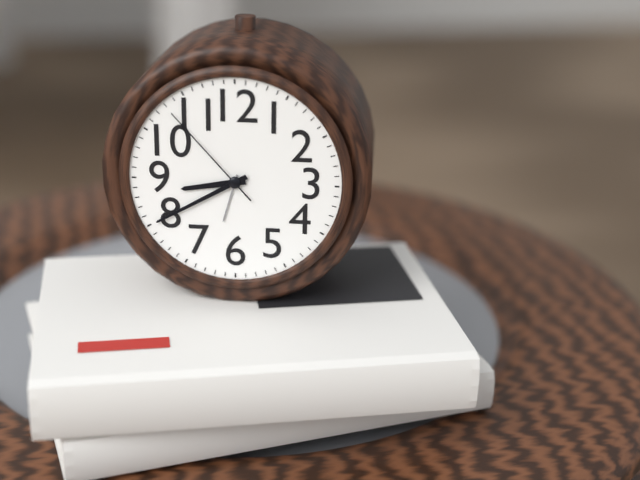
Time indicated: 8:40:53
